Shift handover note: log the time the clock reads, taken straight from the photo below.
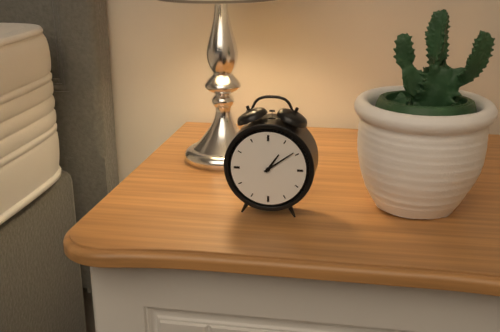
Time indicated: 1:09
